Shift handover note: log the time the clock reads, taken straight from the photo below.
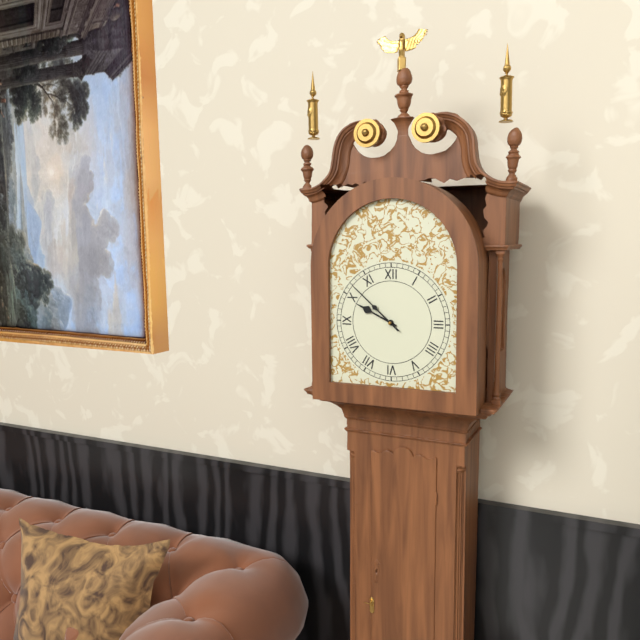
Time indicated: 9:52
